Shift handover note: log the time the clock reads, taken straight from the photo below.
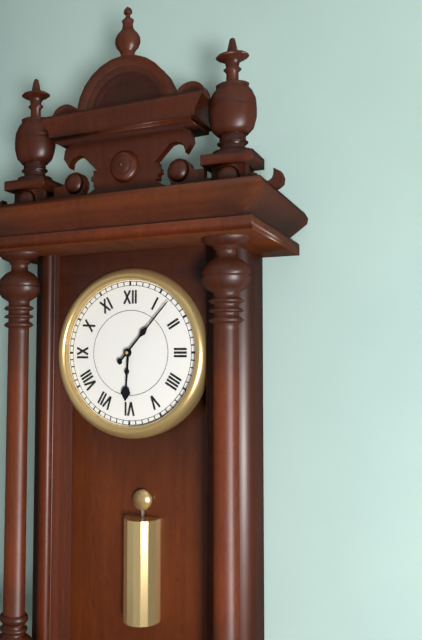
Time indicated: 6:07
